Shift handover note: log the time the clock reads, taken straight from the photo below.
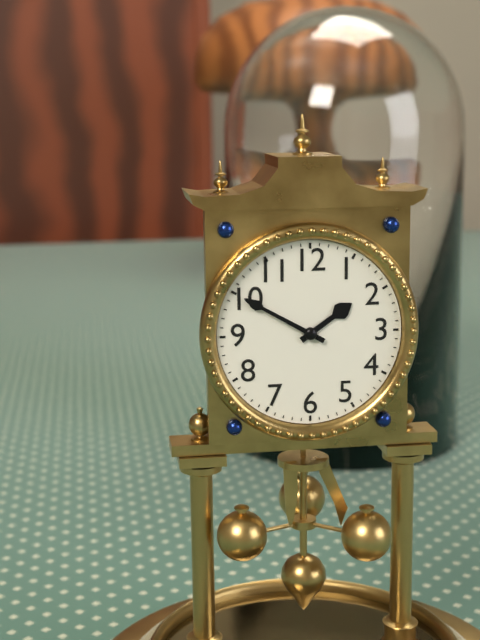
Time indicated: 1:50
